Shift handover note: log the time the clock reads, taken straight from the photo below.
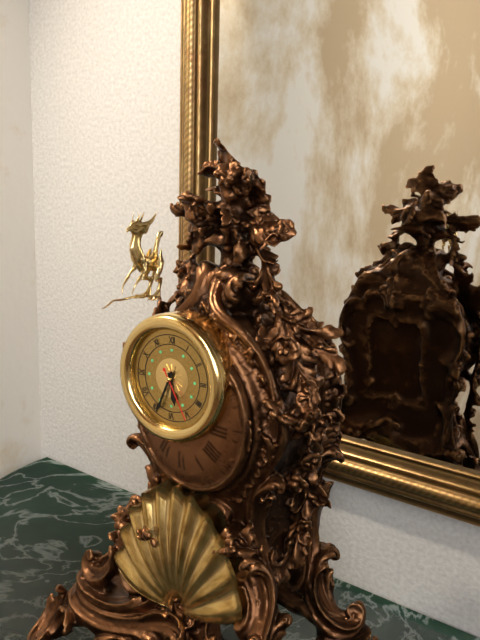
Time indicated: 5:34:25
